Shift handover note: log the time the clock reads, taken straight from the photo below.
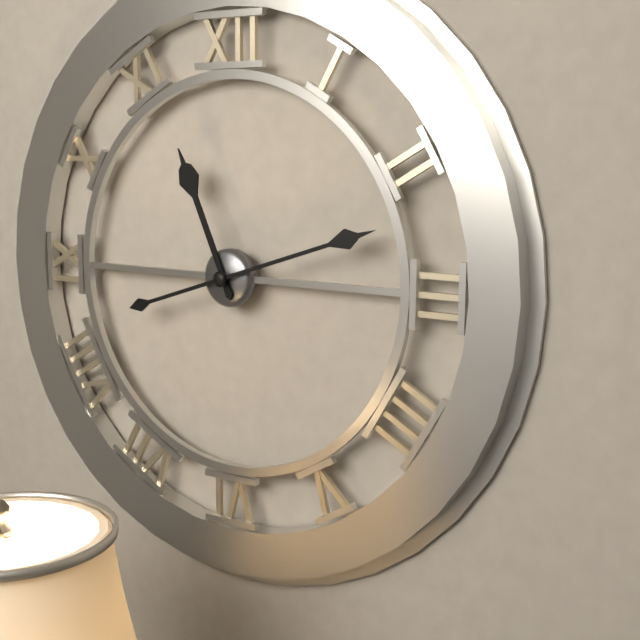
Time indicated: 11:12
